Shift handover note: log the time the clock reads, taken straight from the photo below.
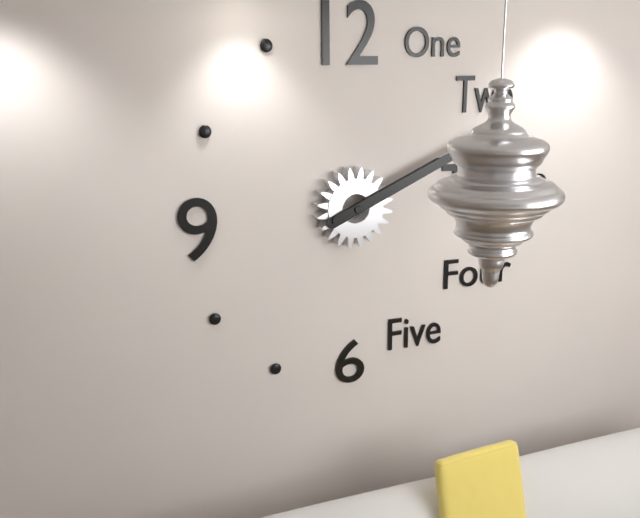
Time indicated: 2:11
